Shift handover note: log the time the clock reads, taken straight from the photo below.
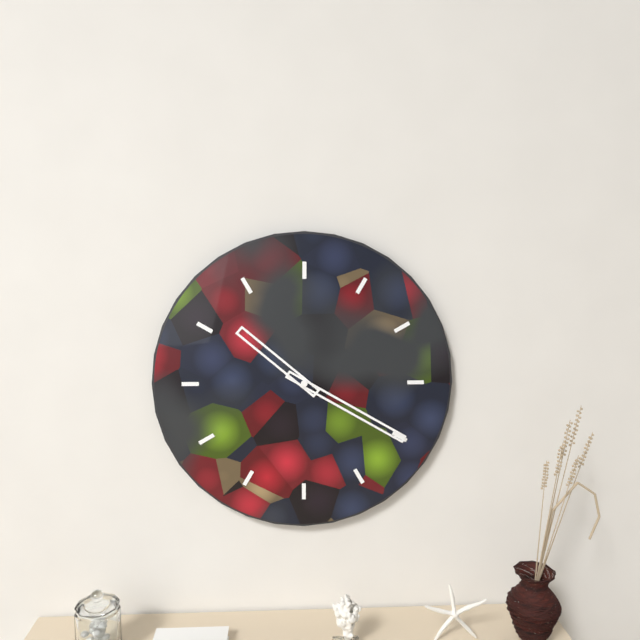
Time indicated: 10:20
